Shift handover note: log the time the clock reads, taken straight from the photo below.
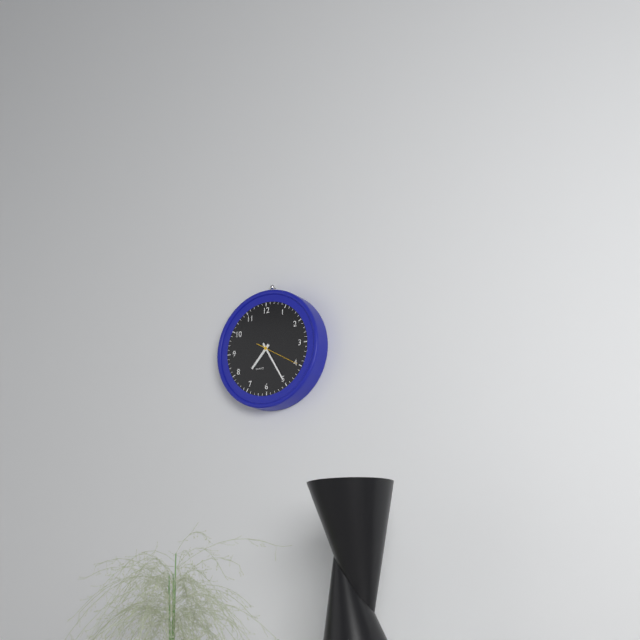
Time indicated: 7:25
